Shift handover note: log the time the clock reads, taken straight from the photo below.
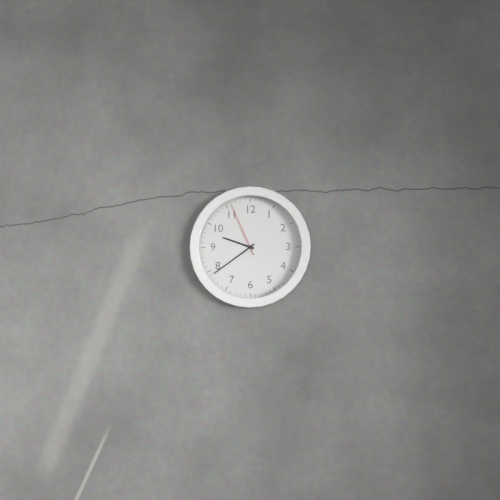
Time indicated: 9:39:56
